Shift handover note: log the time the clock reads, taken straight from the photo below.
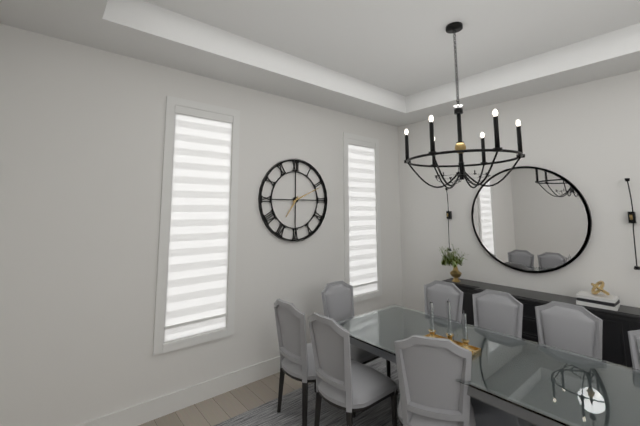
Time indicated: 7:11
